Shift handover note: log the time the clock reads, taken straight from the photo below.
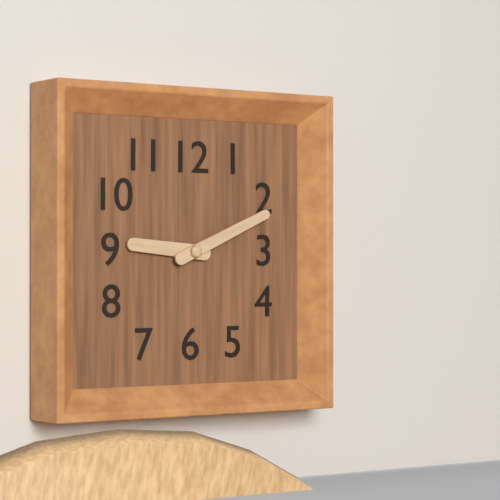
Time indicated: 9:11
